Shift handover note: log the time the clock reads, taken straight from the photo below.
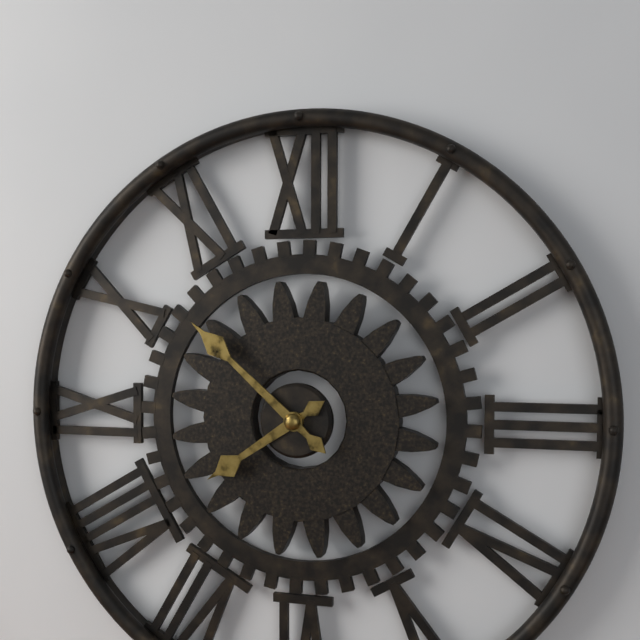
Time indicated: 7:52
